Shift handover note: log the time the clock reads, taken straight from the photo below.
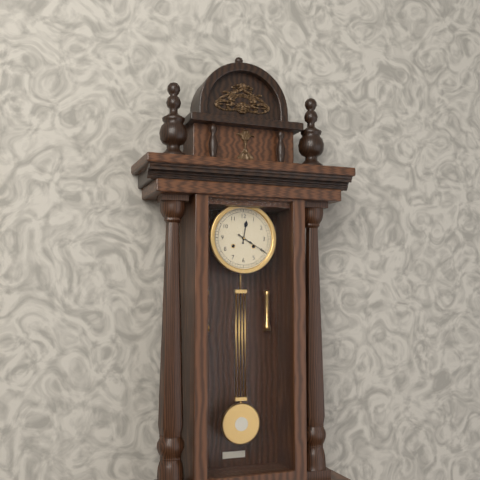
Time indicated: 12:20
